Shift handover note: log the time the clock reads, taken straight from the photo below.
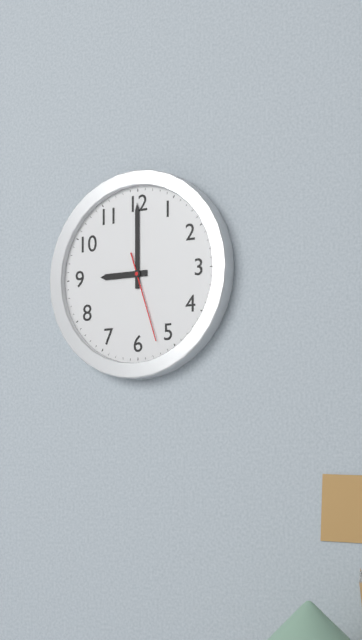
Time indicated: 9:00:27
